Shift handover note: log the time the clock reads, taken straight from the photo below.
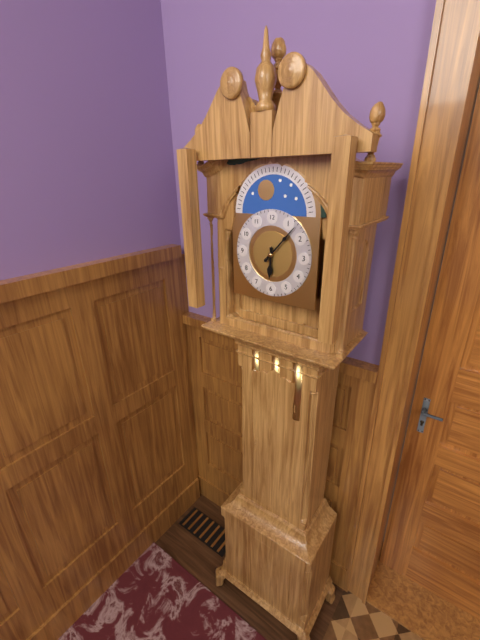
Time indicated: 6:07
